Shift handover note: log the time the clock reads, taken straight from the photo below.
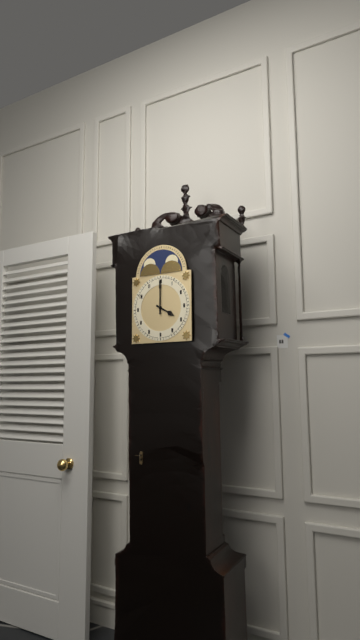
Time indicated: 4:00
